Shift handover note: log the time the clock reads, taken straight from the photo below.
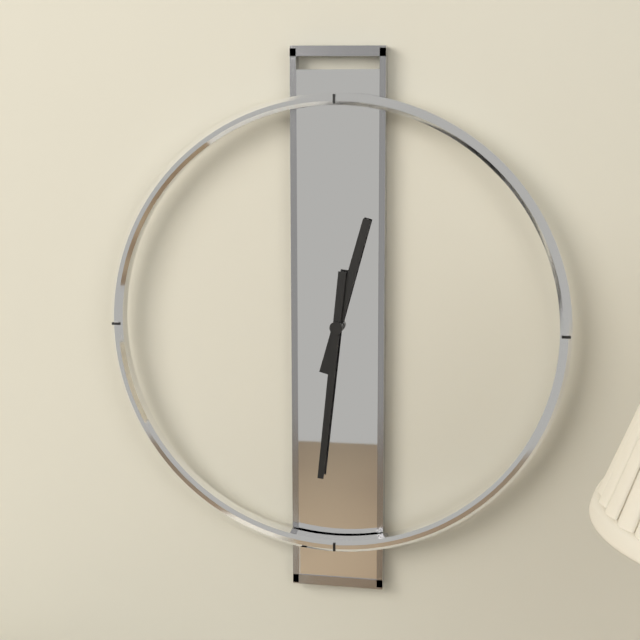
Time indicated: 12:31
